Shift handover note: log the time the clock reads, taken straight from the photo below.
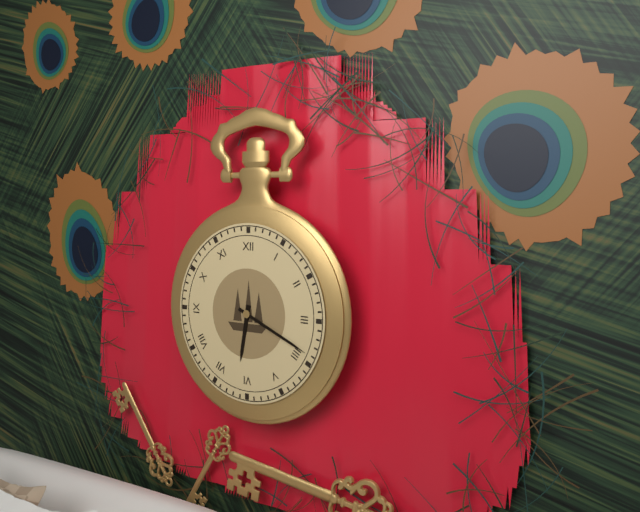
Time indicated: 6:19
